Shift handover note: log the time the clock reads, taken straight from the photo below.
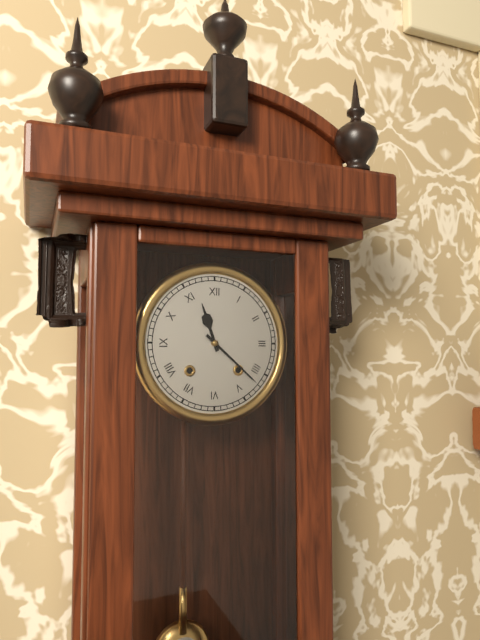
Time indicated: 11:22
